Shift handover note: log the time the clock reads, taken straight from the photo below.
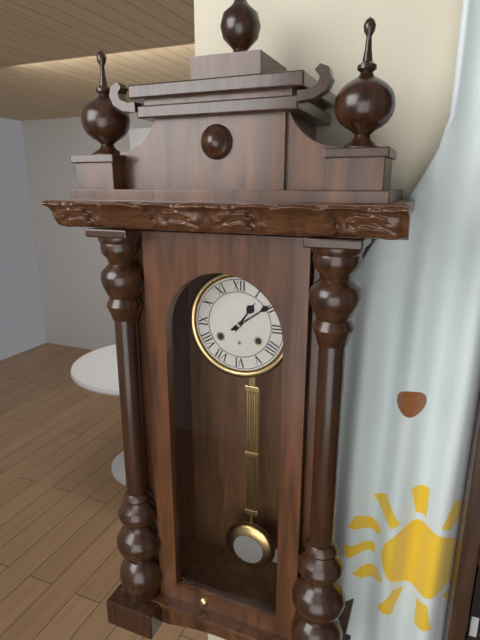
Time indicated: 1:09
